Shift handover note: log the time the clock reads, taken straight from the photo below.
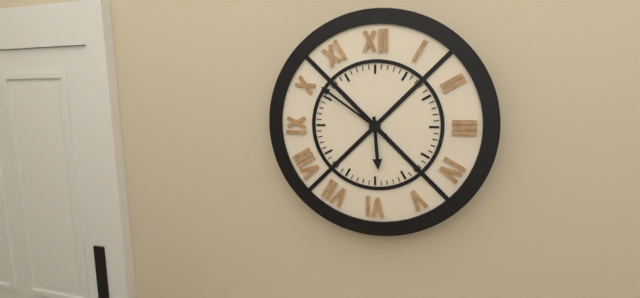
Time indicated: 5:51
